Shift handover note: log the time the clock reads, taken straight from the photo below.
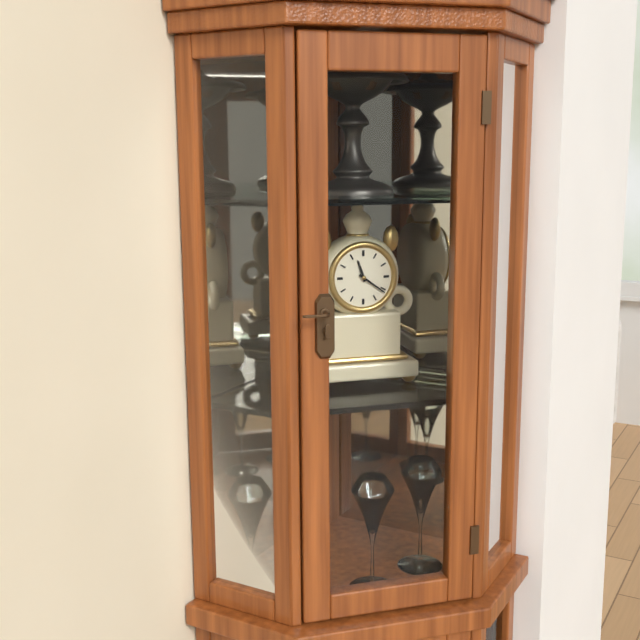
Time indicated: 11:21
